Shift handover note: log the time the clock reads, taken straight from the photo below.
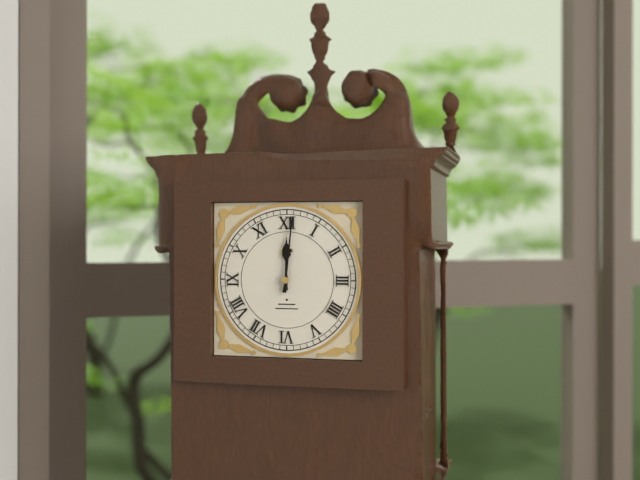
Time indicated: 12:01
